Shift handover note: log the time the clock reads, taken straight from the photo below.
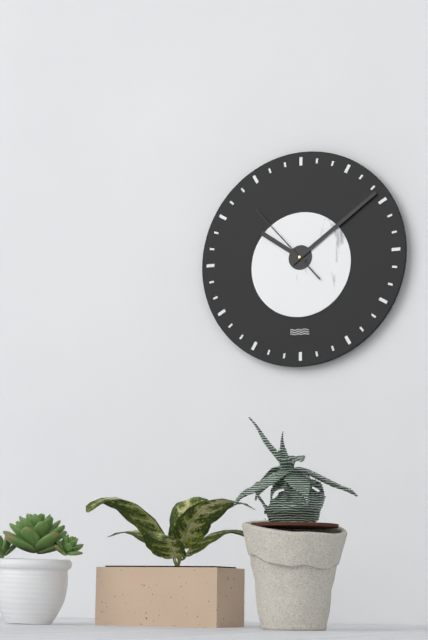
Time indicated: 10:09:53
